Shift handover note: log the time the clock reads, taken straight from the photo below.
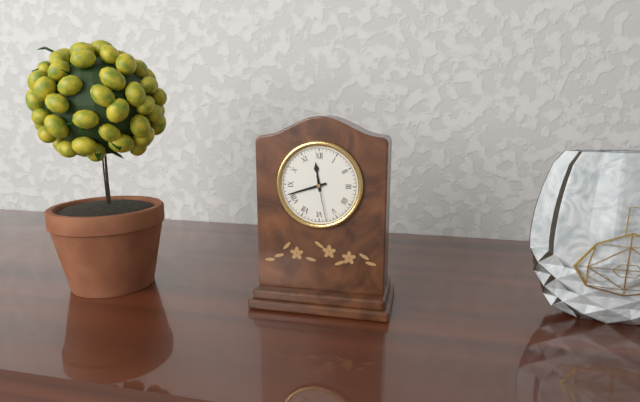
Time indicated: 11:42
